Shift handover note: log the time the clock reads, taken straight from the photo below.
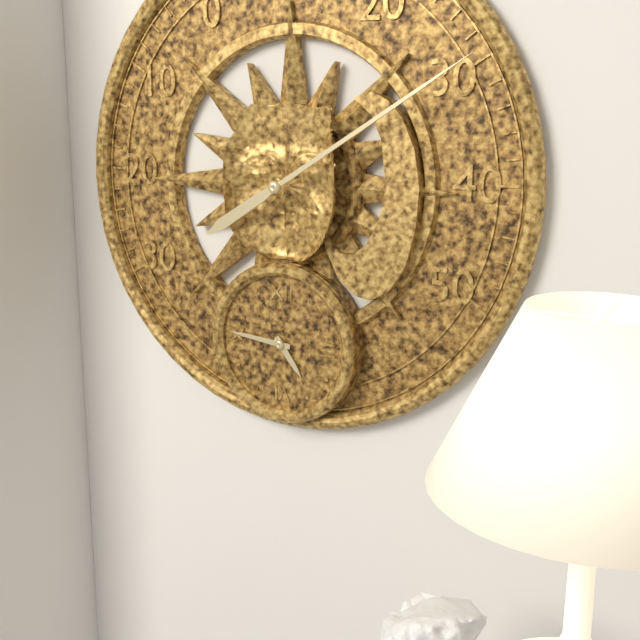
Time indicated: 4:46
